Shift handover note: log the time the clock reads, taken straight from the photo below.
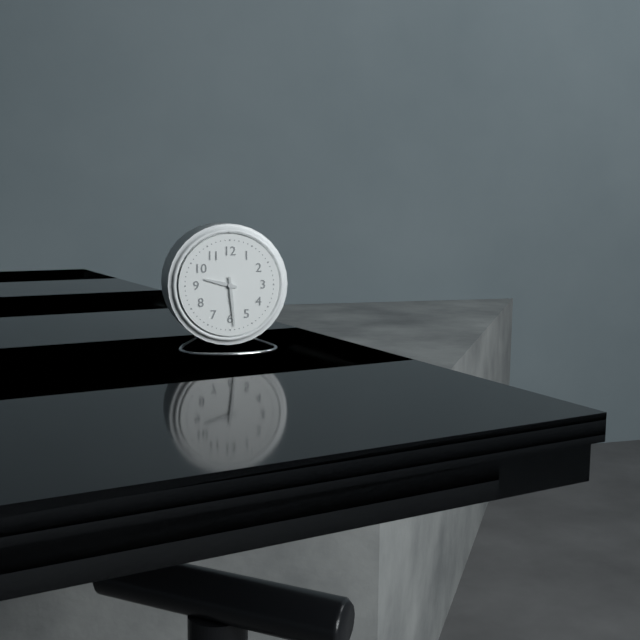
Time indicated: 9:29
